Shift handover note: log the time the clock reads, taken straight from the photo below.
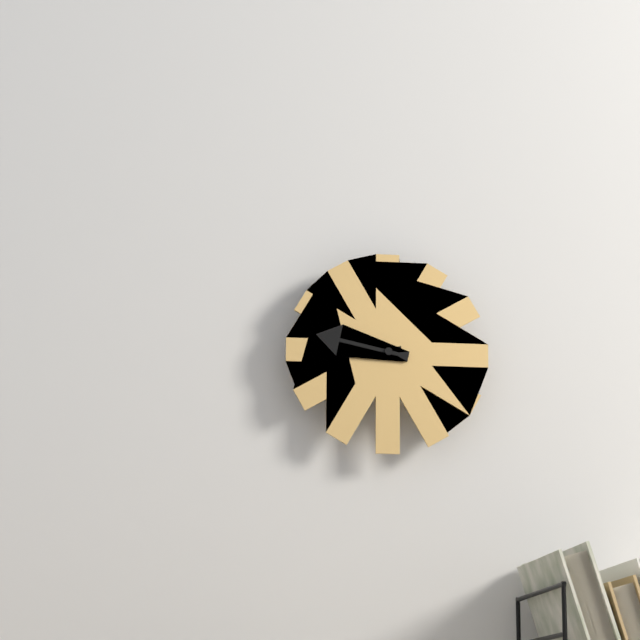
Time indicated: 8:47
